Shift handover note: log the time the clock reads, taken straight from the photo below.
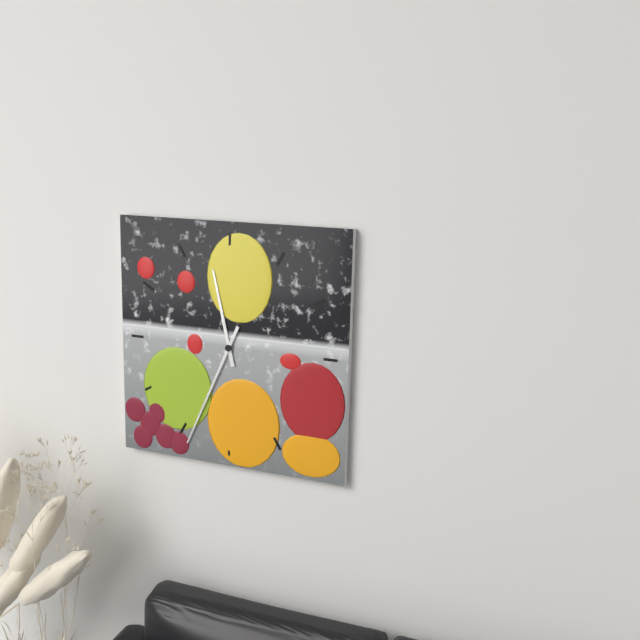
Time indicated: 11:34
